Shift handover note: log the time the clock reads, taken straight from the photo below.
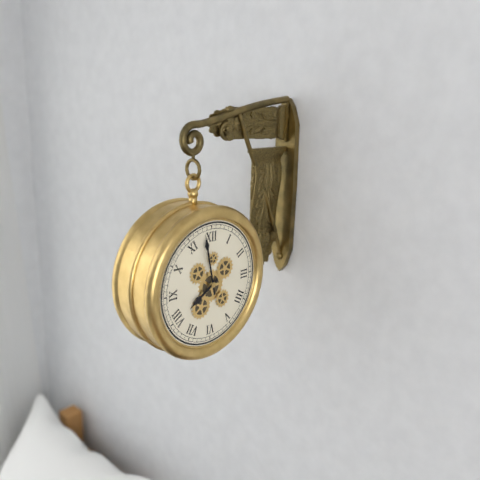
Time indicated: 7:58
